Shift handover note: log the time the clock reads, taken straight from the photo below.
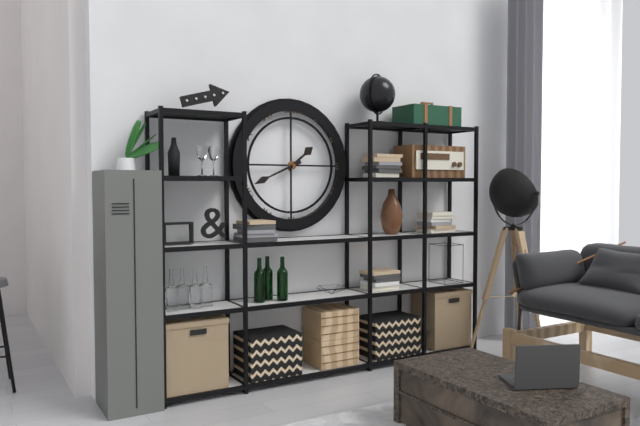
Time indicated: 1:41
